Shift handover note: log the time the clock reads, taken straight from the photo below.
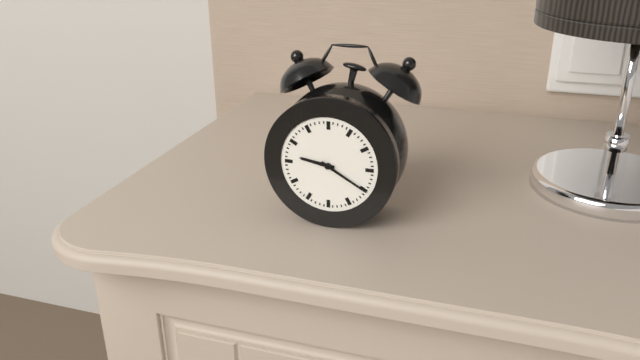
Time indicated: 9:20
